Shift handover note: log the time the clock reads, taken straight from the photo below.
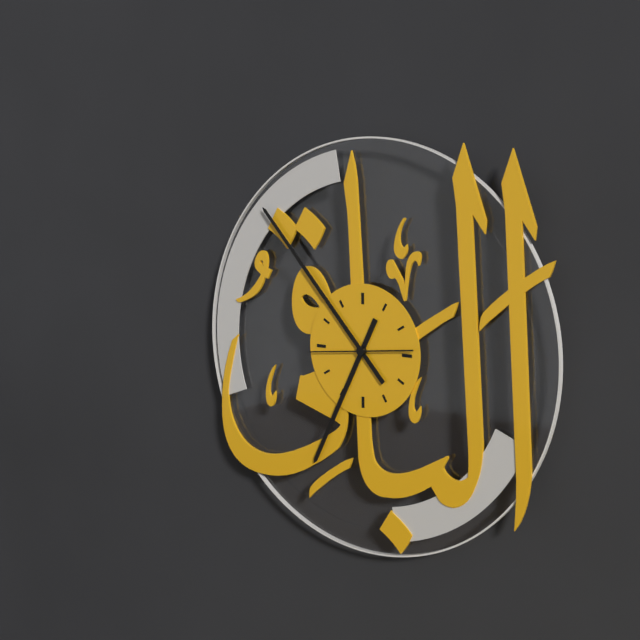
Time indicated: 6:53:44
